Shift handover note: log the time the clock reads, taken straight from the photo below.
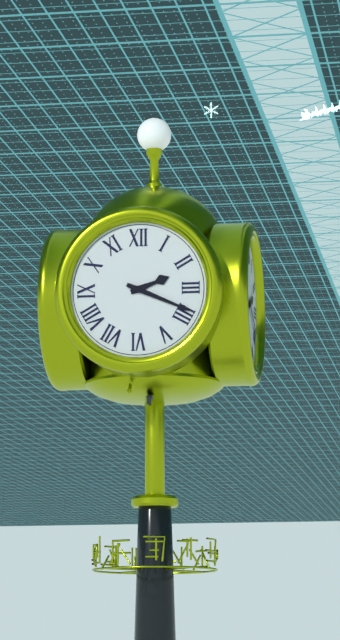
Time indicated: 2:19
